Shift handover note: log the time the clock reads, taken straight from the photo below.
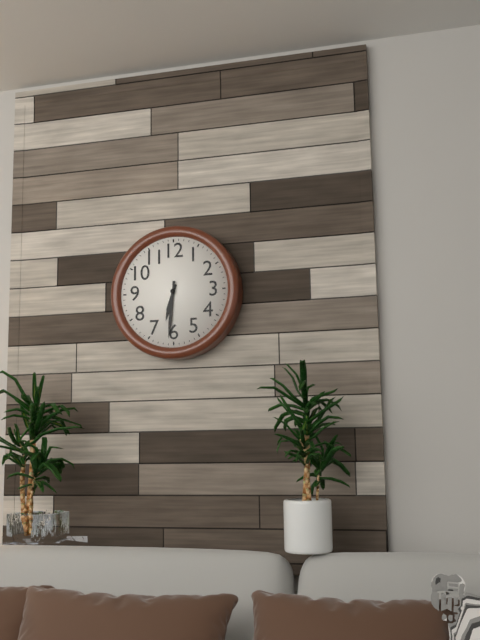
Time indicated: 6:31
